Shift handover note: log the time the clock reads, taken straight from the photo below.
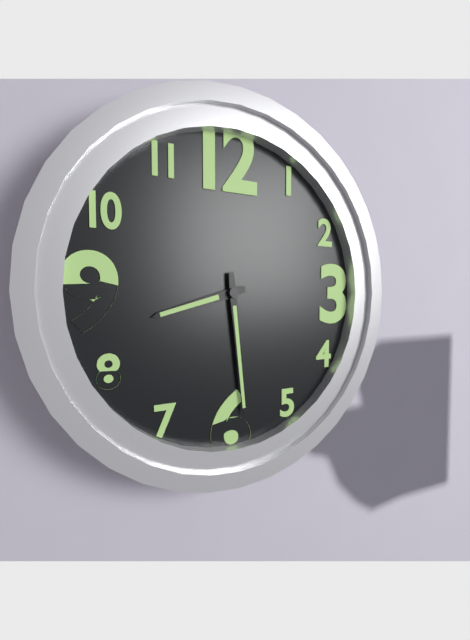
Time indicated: 8:29
